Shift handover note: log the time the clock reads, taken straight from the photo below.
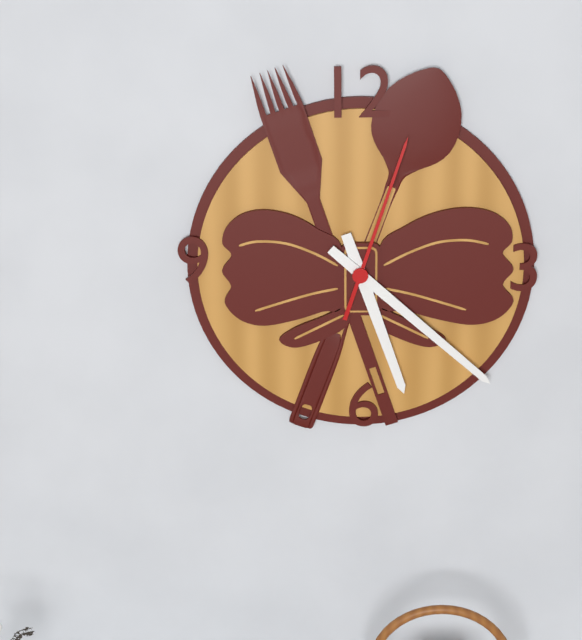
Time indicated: 5:22:03
